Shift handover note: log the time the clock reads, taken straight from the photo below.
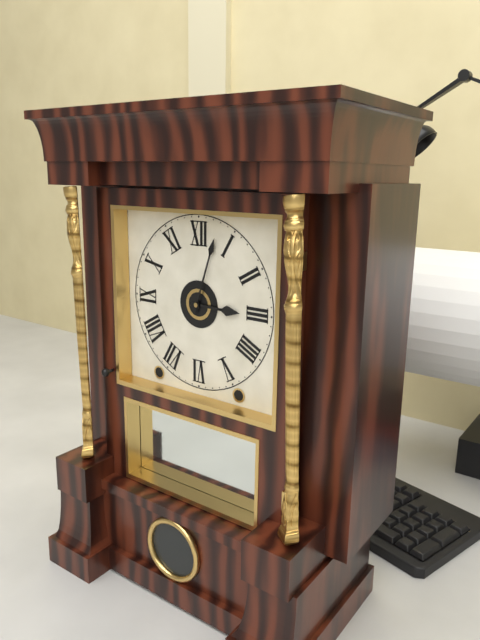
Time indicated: 3:03
